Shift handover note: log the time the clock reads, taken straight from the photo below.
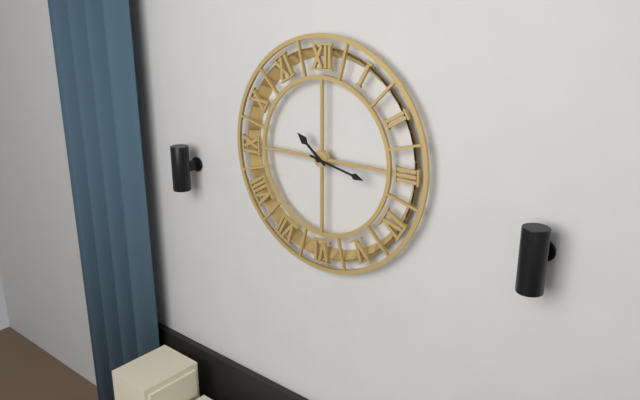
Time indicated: 10:17
